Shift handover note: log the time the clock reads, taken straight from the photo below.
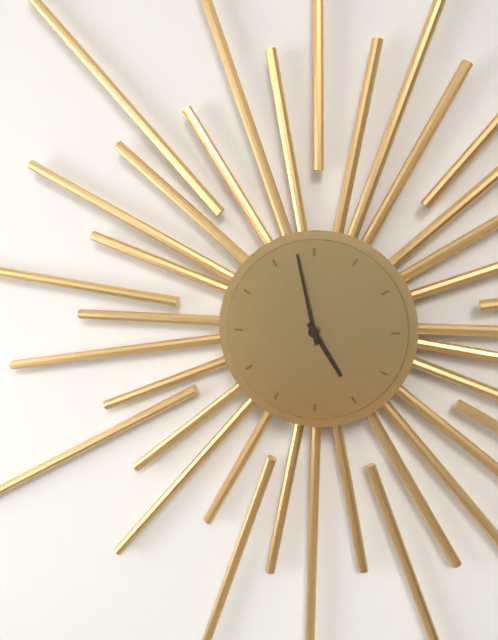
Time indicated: 4:58
